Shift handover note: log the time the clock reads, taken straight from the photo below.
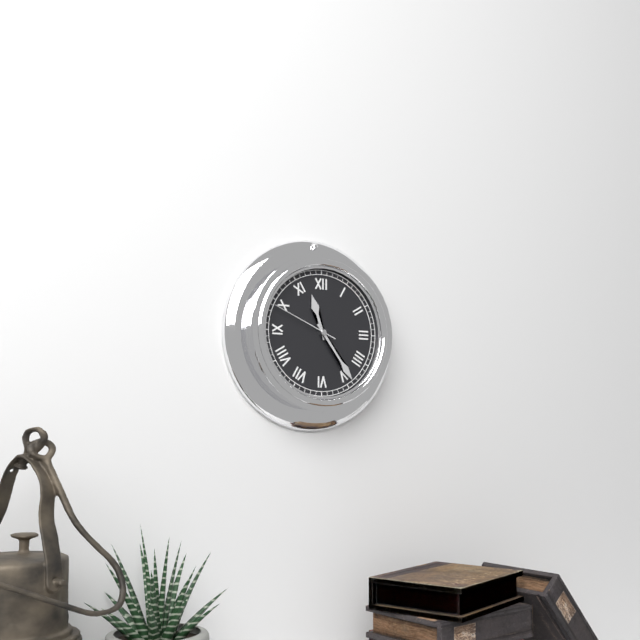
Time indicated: 11:24:49
